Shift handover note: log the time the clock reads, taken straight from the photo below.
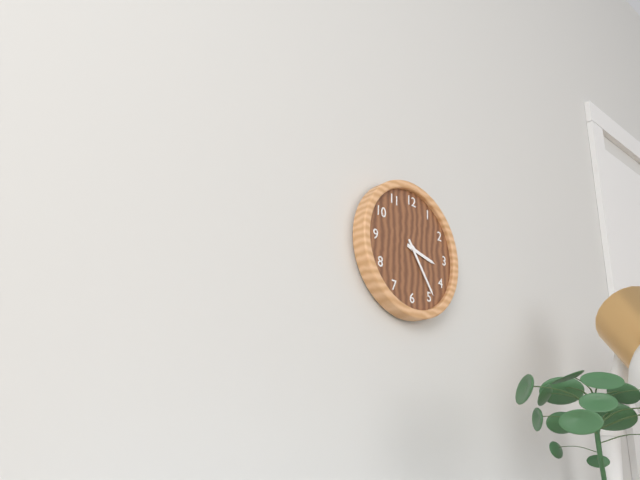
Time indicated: 3:24
